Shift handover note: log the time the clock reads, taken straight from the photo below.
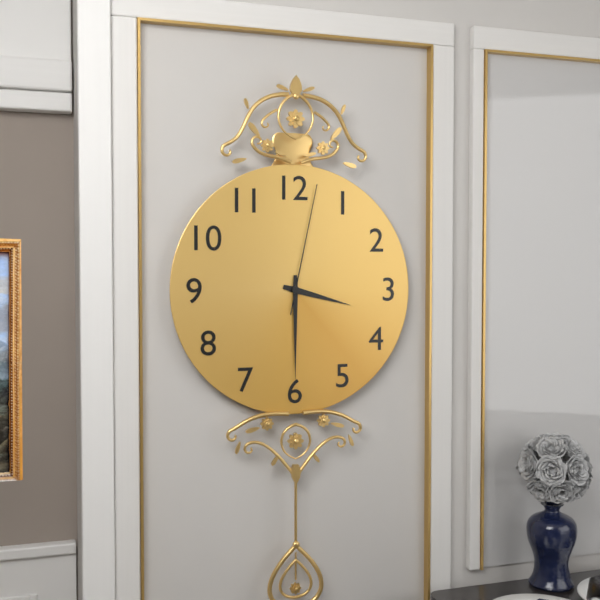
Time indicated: 3:30:02
